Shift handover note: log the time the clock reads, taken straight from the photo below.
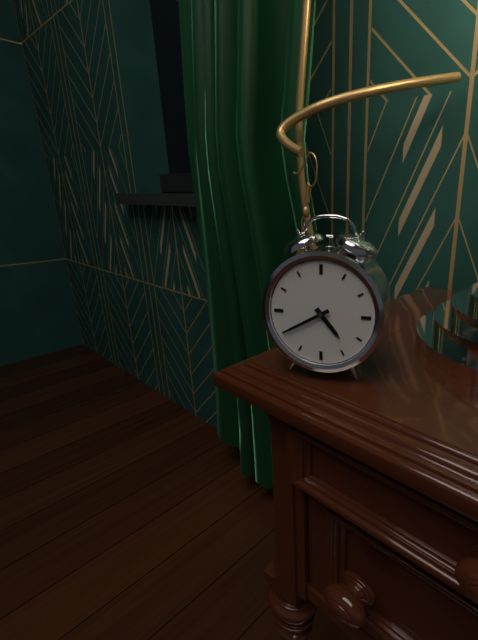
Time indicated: 4:40
